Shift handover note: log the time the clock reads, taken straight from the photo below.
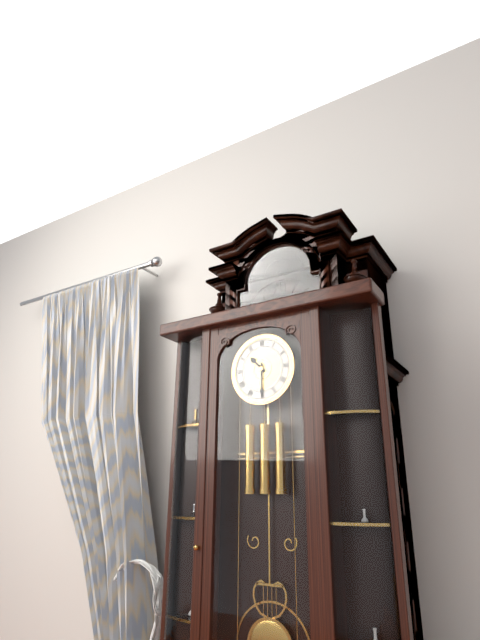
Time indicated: 10:30
